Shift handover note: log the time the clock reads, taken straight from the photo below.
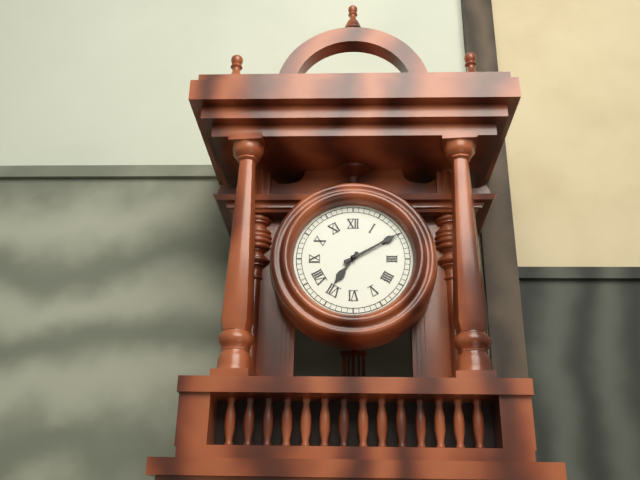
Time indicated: 7:10
